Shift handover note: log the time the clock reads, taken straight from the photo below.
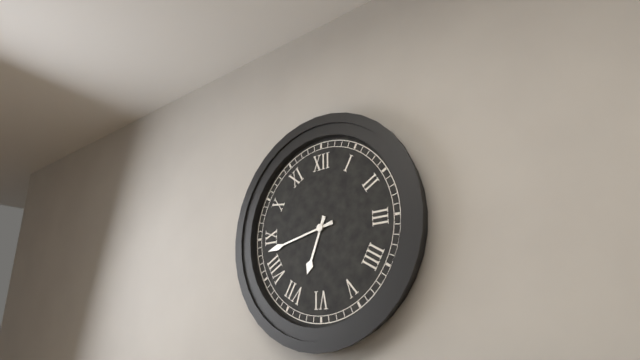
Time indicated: 6:43
